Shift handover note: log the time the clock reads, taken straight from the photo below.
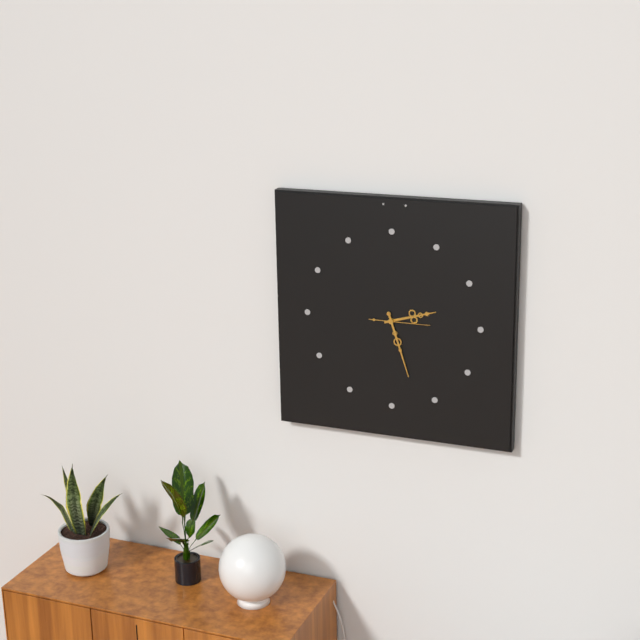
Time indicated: 2:27
